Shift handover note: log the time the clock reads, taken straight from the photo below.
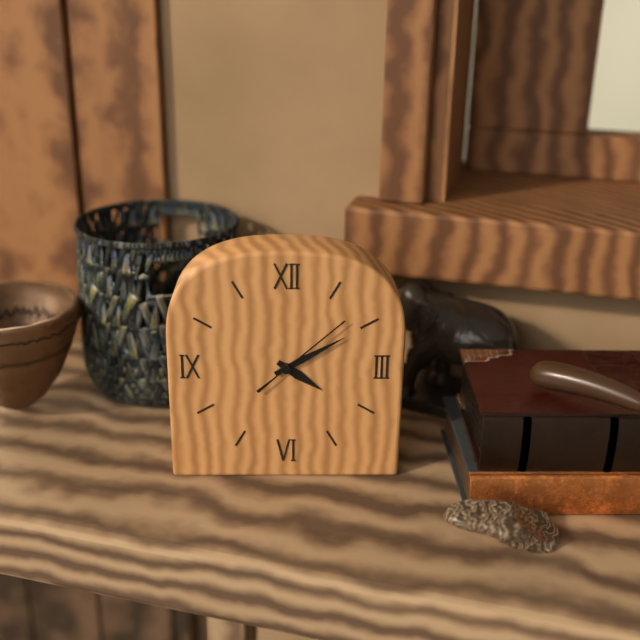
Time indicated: 4:10:08
